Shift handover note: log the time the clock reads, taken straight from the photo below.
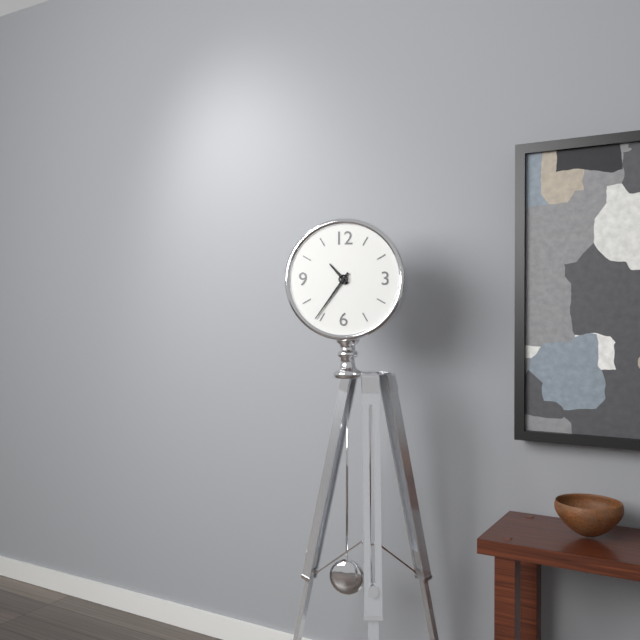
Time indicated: 10:36
